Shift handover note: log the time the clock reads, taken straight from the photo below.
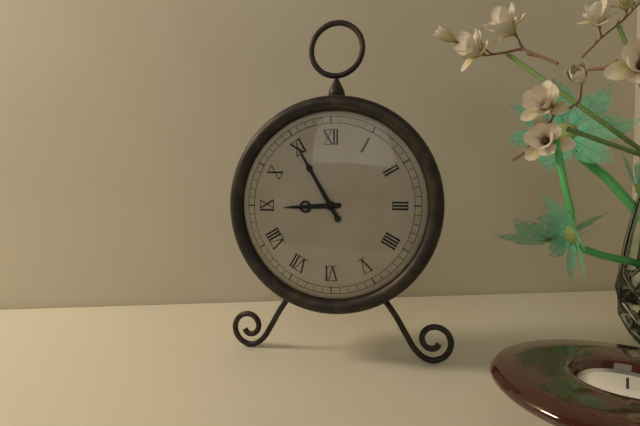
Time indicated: 8:55
